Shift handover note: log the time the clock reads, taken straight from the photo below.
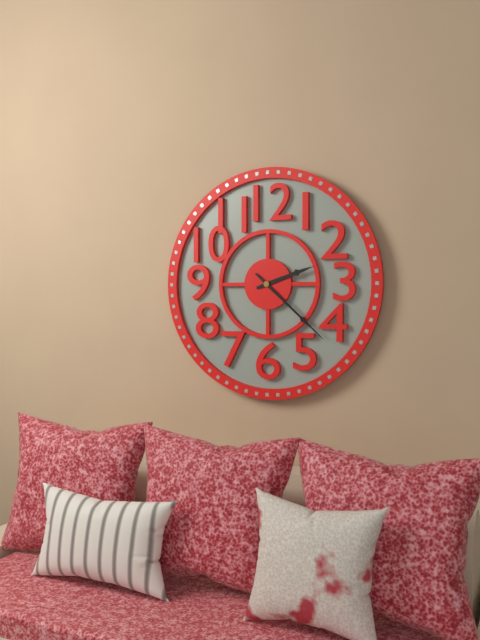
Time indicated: 2:22
